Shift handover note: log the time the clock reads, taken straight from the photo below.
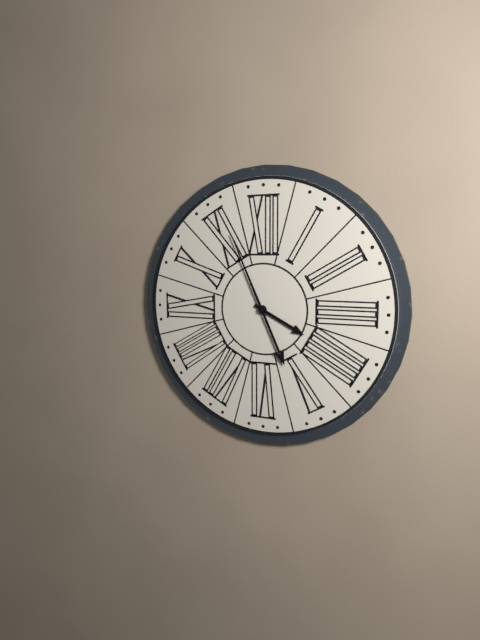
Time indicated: 3:56
